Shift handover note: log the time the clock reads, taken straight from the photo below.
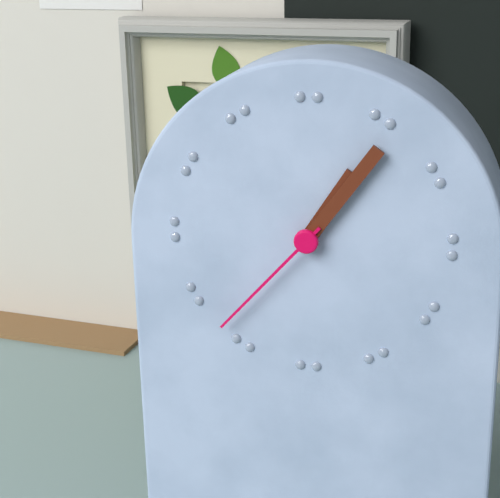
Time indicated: 1:06:37
